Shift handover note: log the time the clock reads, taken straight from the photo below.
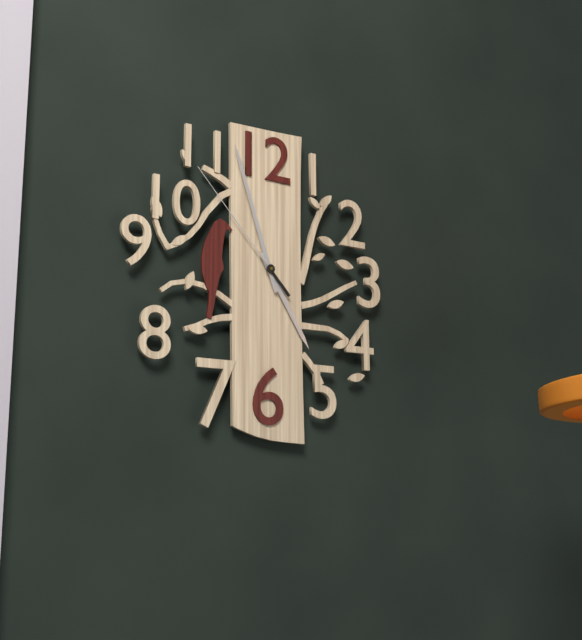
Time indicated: 4:57:53
